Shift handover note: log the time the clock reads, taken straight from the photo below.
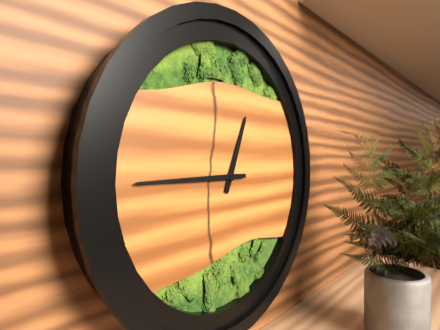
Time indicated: 12:45
